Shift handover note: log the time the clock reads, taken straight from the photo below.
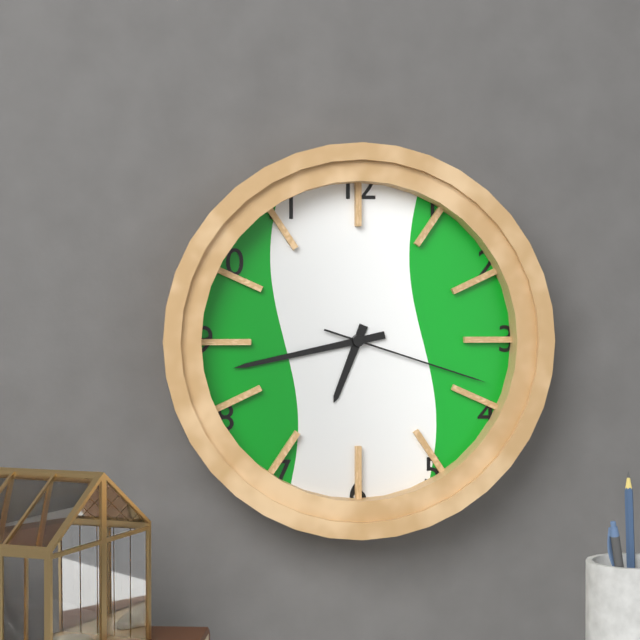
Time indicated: 6:43:18
